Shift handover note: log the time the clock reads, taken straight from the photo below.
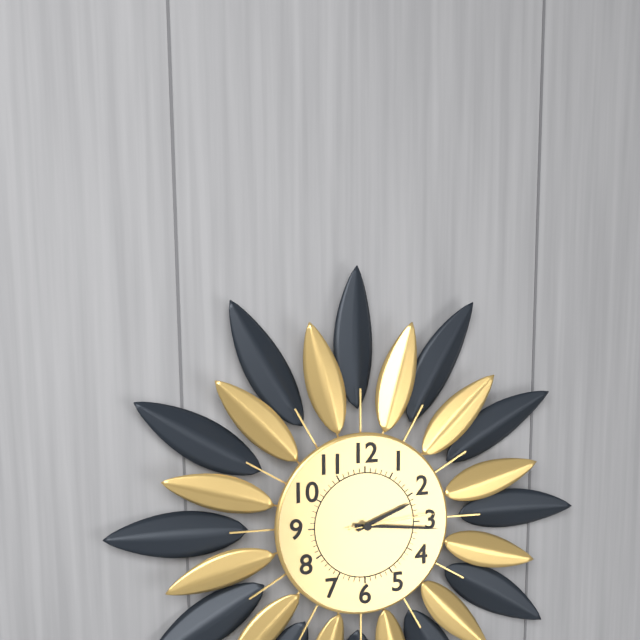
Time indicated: 2:16:14
